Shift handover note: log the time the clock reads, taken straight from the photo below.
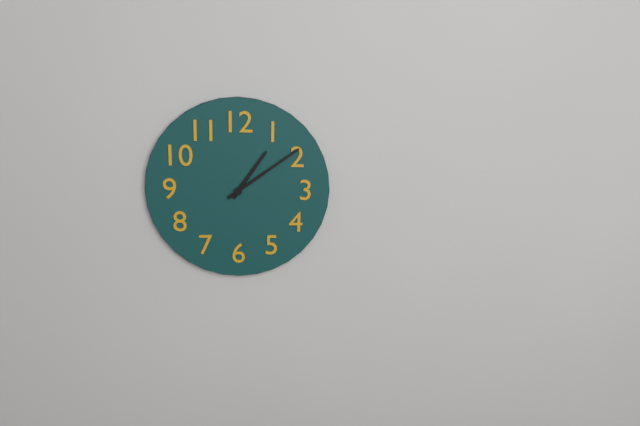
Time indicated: 1:09
